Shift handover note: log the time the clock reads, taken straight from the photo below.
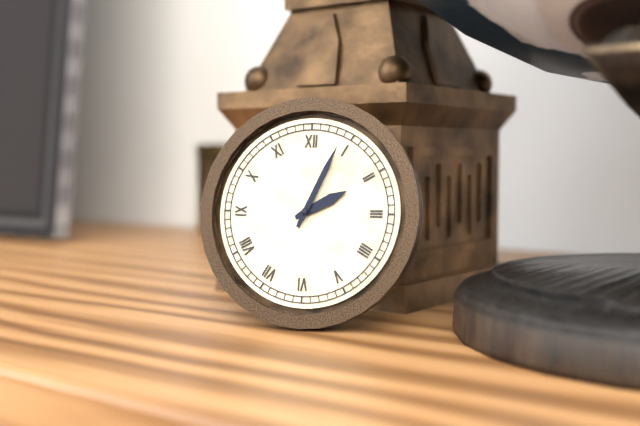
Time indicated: 2:04
